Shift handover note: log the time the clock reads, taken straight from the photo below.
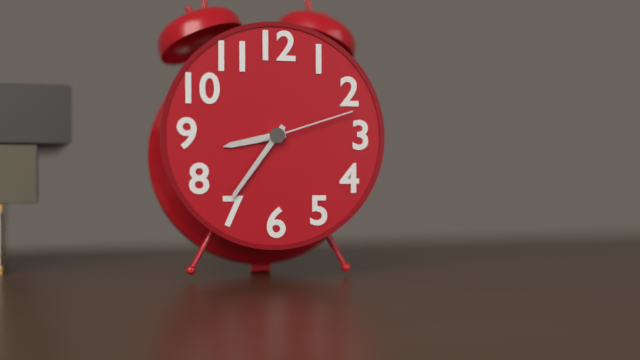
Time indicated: 8:36:12
